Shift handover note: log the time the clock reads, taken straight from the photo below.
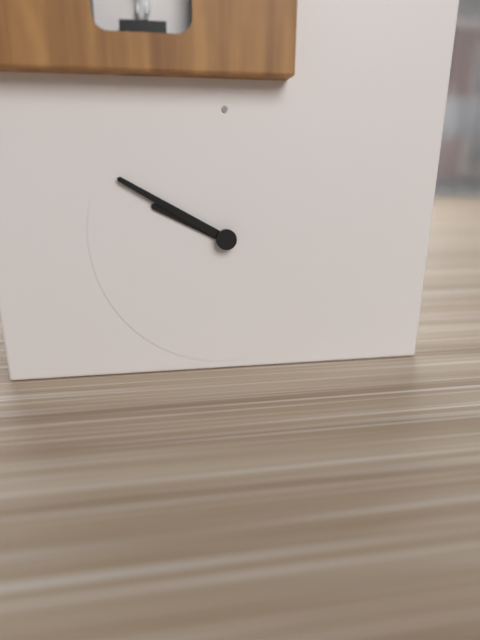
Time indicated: 9:50
